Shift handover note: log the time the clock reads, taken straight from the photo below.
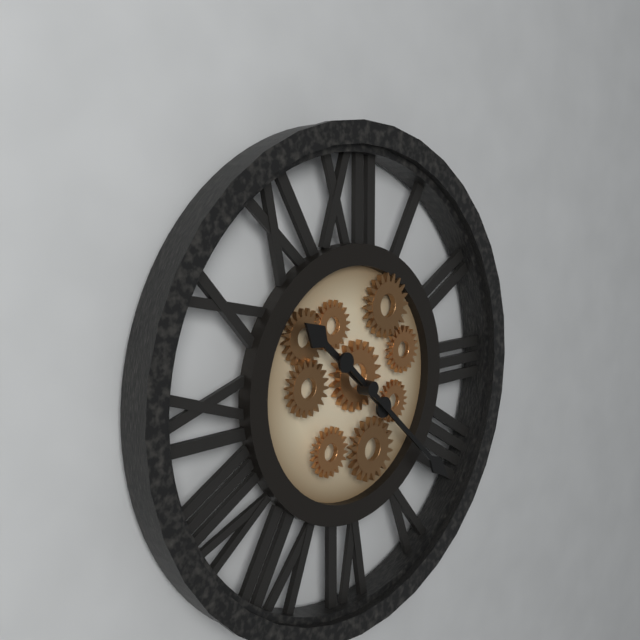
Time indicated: 10:22
